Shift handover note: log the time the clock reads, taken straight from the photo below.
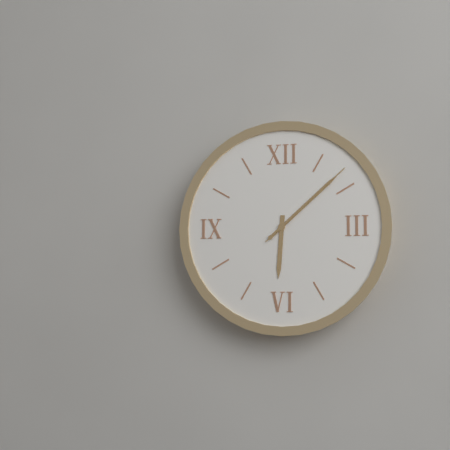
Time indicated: 6:08:08
